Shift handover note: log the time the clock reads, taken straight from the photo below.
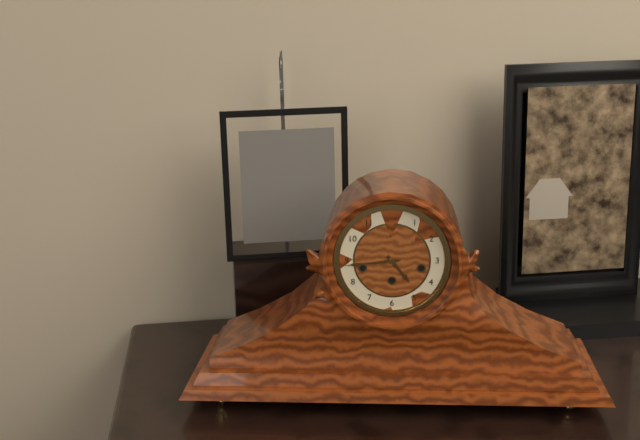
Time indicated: 4:44
